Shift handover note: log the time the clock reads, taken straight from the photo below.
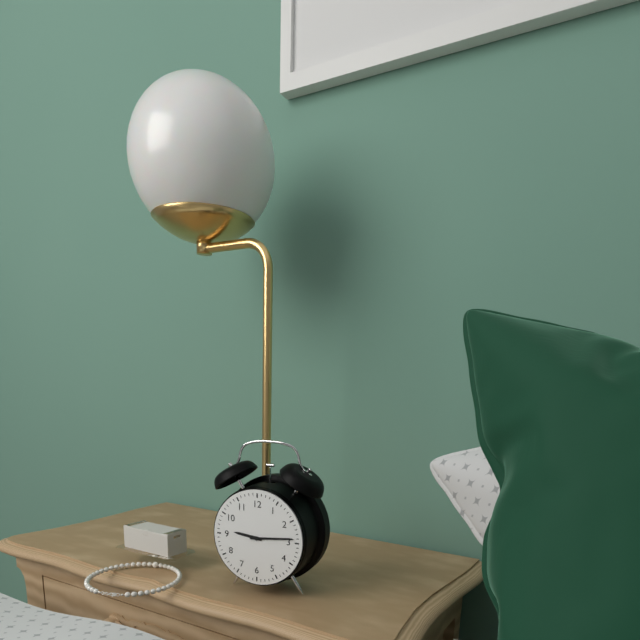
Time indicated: 9:14
